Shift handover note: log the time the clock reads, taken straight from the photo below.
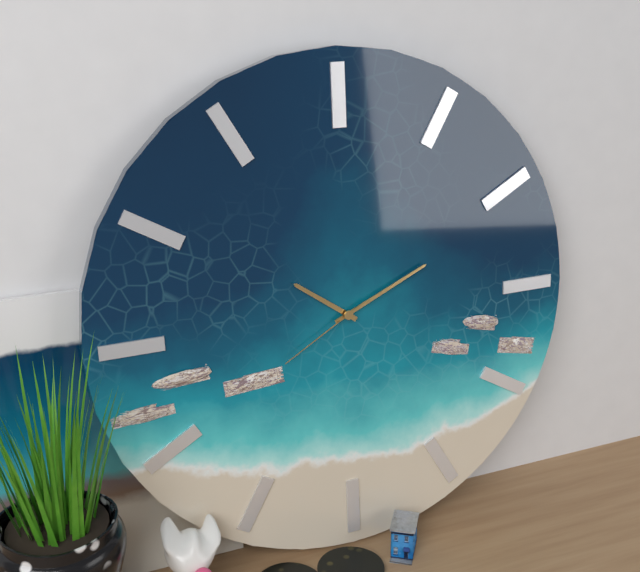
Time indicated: 10:11:40
